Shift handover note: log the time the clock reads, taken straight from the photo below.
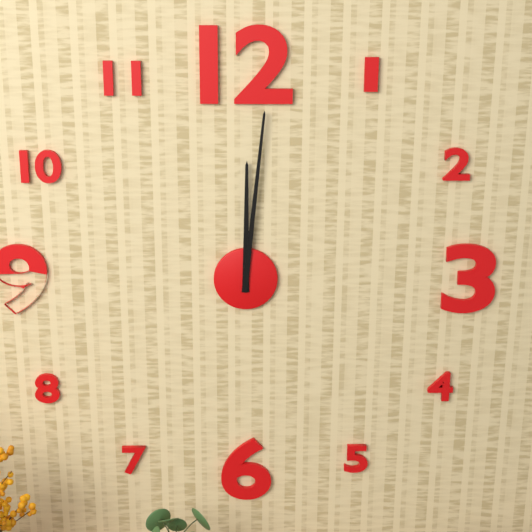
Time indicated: 12:01
